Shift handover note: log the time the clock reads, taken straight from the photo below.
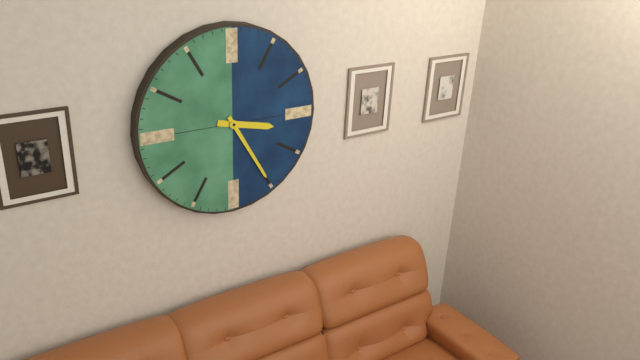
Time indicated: 3:25
